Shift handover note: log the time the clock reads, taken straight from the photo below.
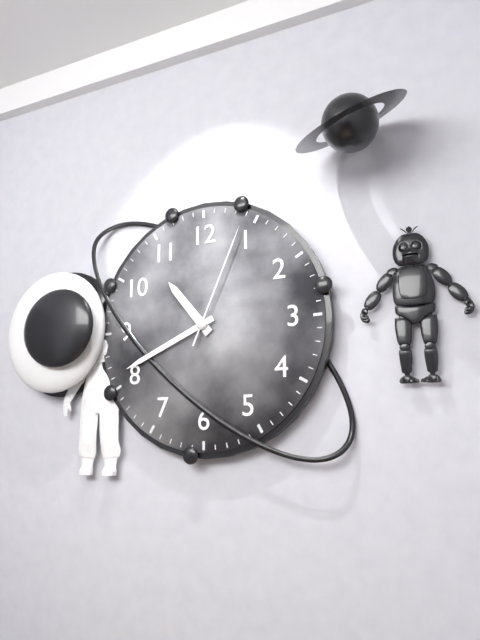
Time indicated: 10:41:04
